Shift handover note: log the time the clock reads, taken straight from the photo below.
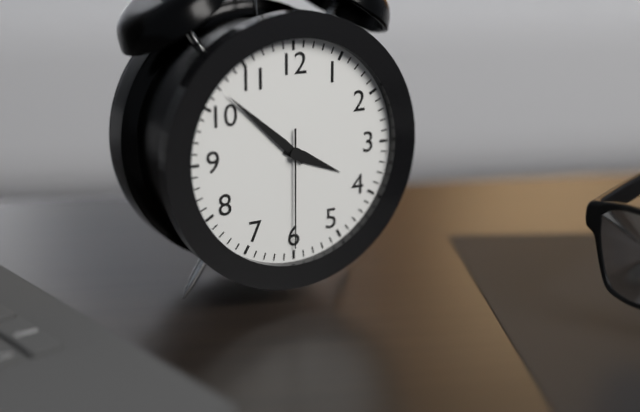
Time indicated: 3:52:30
